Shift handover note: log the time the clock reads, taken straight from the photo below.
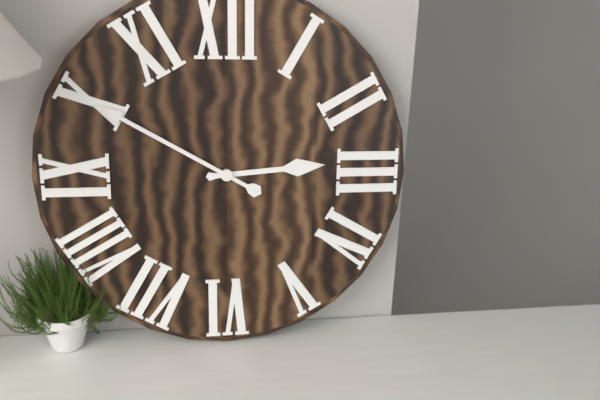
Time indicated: 2:50
